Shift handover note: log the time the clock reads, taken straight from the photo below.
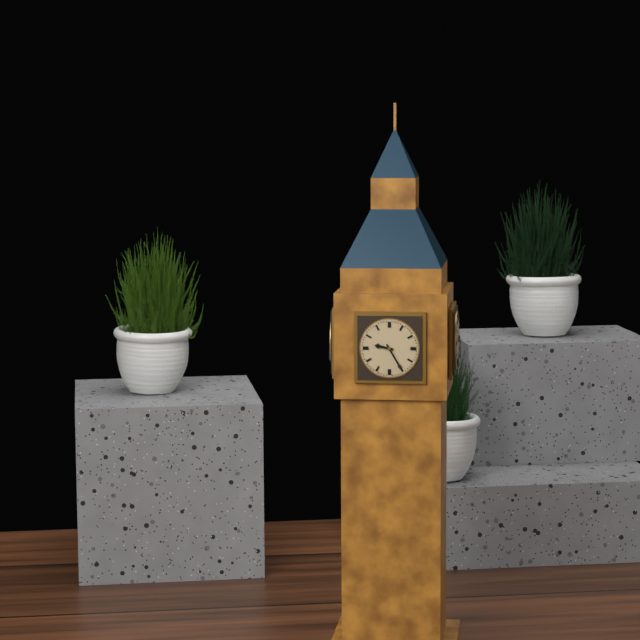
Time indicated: 9:25
